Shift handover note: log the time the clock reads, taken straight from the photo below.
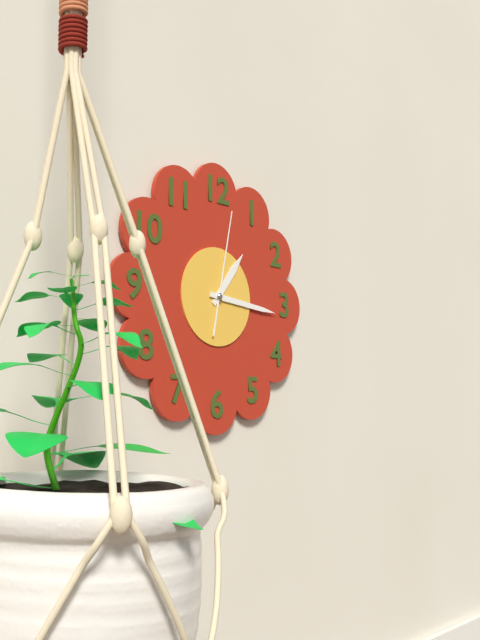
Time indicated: 1:16:02
